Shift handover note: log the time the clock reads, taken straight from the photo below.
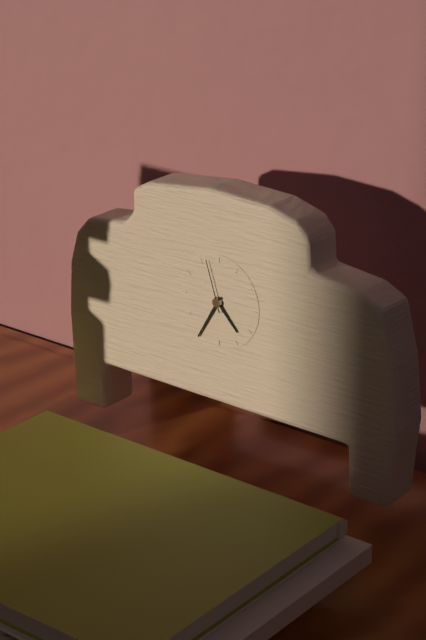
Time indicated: 4:35:57
